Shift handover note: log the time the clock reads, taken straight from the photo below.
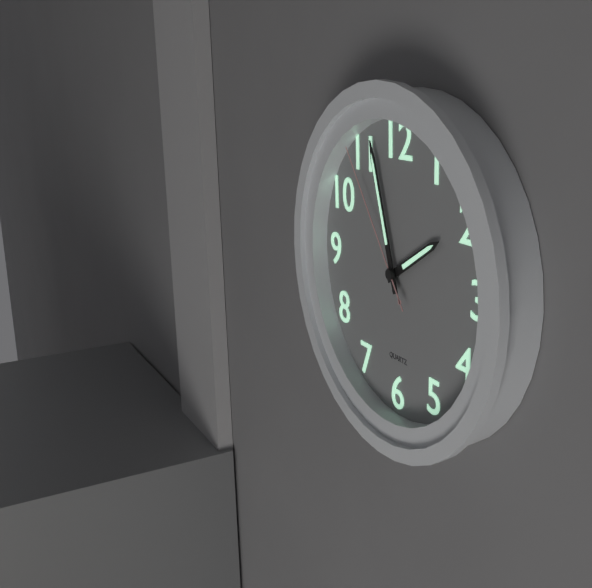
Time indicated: 1:57:54
